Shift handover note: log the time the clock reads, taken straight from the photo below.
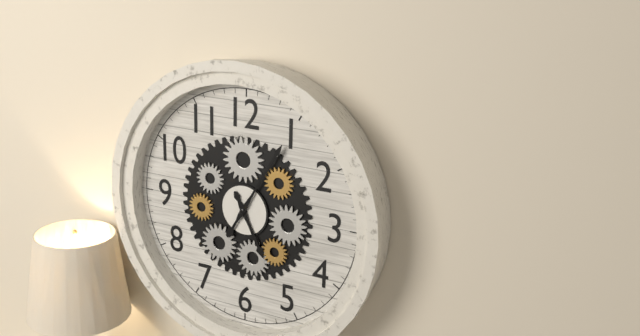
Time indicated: 5:05
